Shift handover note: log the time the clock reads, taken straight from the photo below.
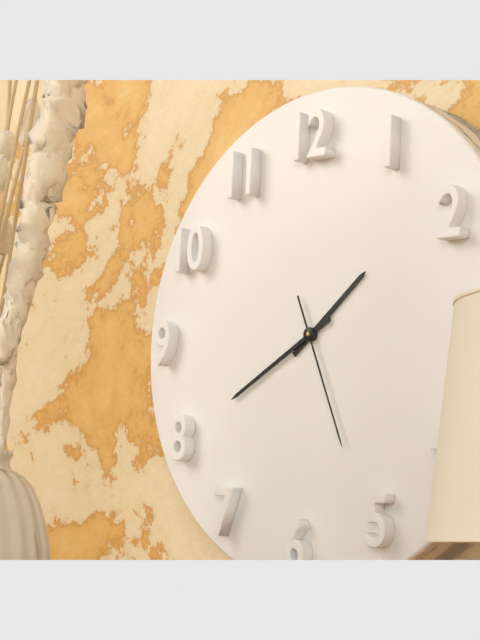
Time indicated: 1:40:26
